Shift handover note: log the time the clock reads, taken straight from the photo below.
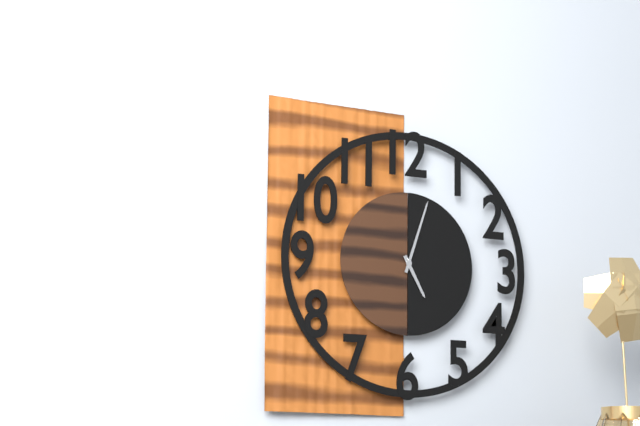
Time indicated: 5:03
